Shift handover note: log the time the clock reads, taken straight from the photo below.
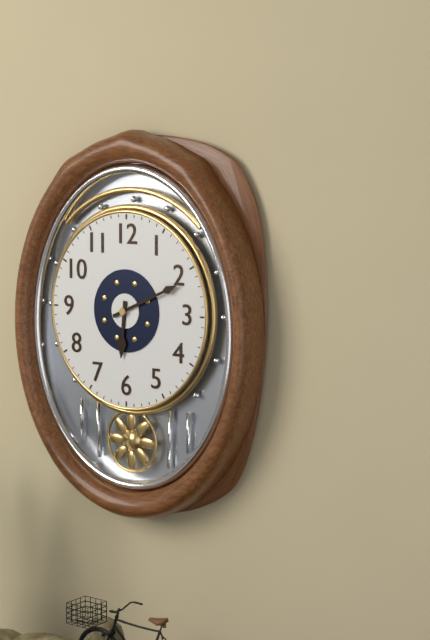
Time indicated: 6:11
